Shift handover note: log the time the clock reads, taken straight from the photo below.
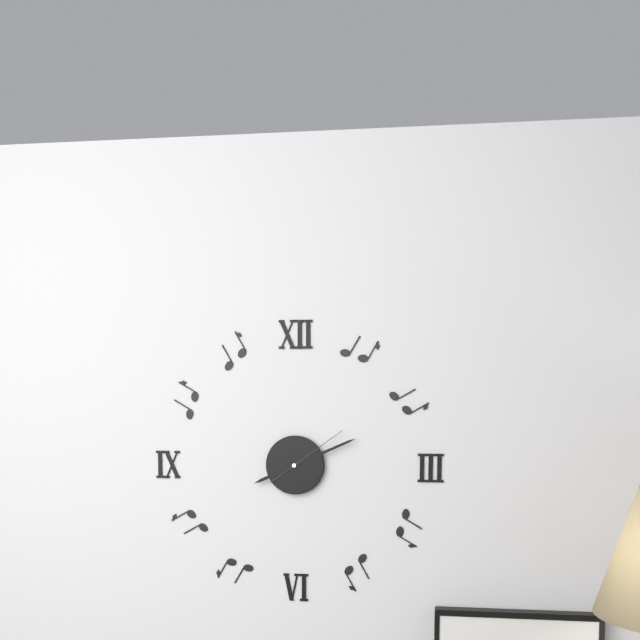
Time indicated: 8:11:09
